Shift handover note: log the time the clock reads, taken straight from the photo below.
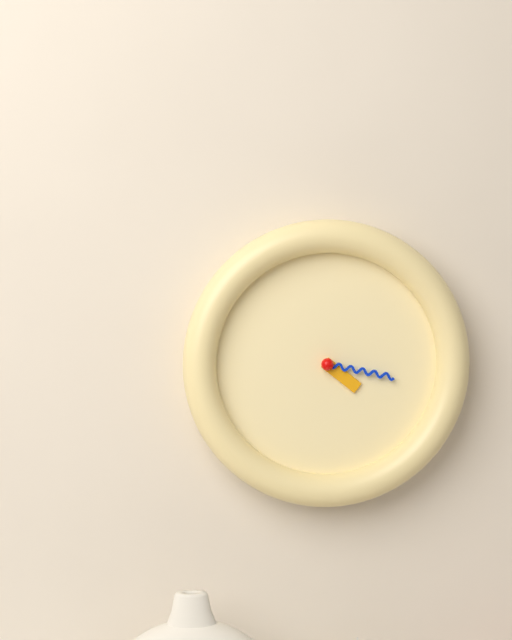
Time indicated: 4:17
